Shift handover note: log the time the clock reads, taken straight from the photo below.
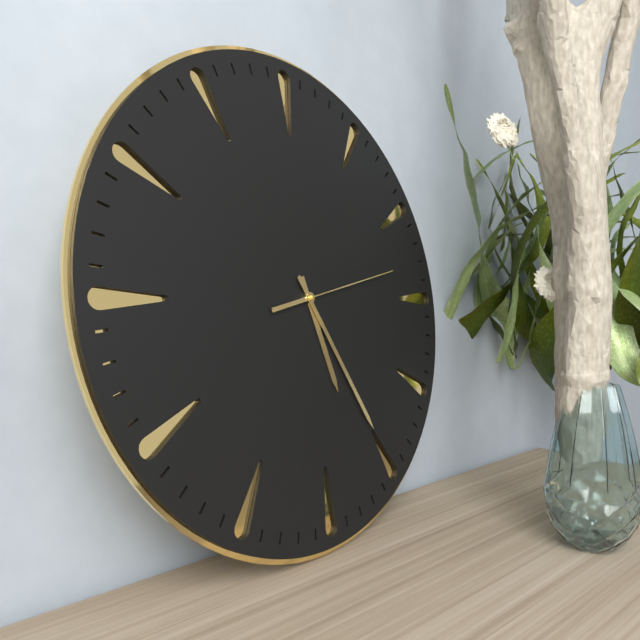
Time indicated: 5:25:13
